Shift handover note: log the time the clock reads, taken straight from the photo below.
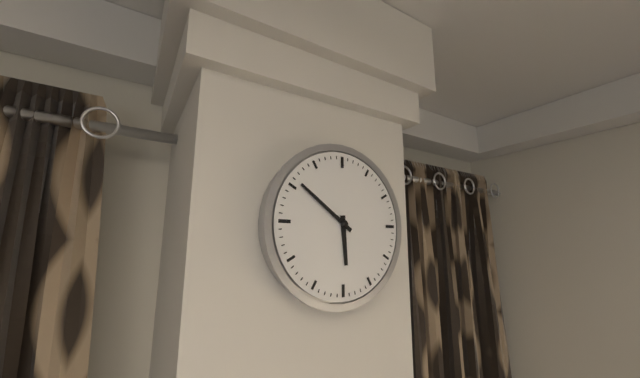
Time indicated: 5:51
